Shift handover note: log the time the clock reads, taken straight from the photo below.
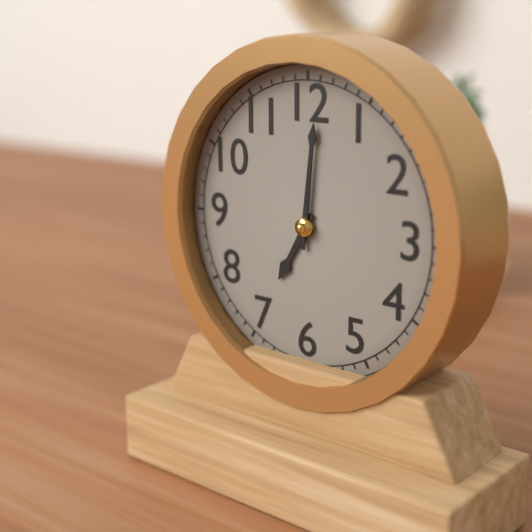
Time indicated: 7:01
